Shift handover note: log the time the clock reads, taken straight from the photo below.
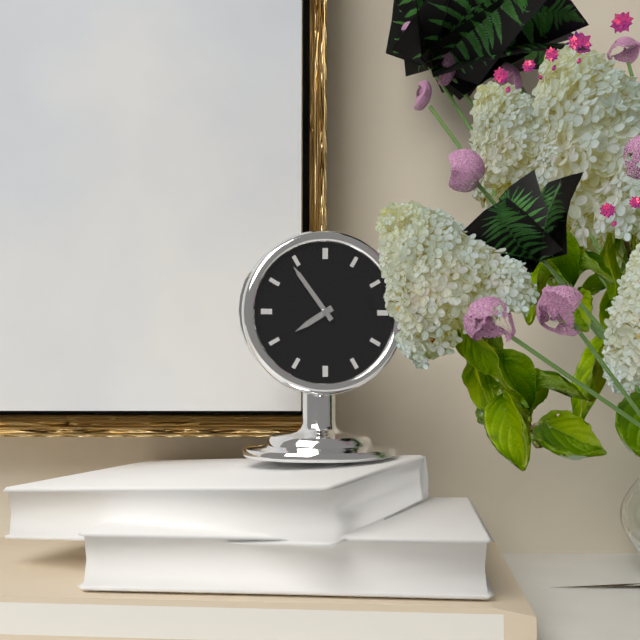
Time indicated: 7:54
